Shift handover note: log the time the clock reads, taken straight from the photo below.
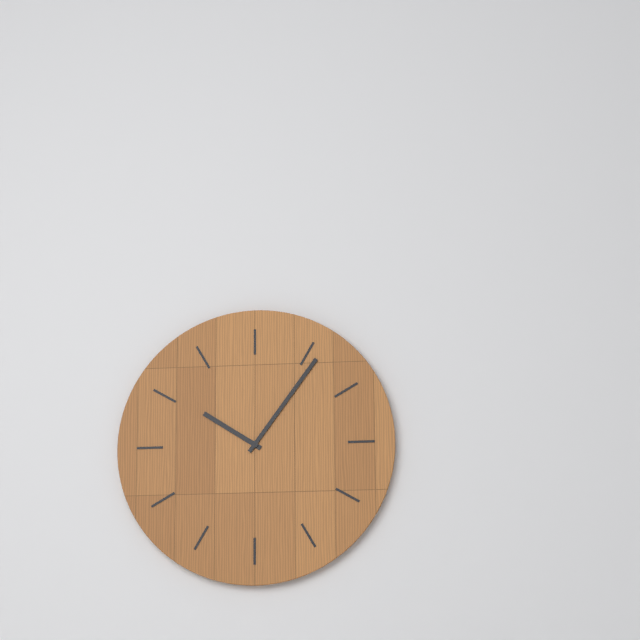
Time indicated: 10:06
